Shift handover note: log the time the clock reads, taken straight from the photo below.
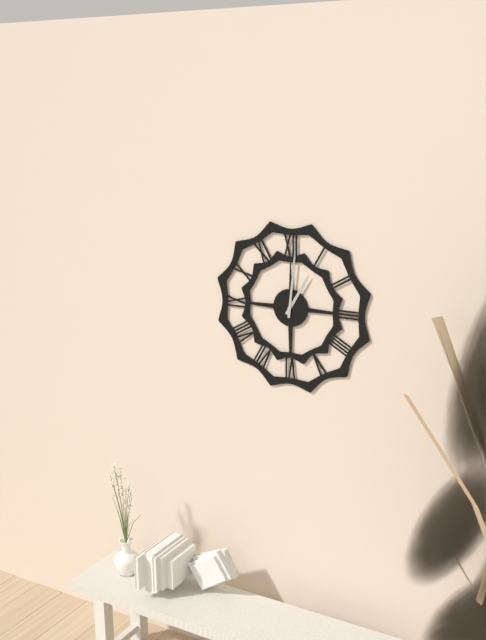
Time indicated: 1:01
